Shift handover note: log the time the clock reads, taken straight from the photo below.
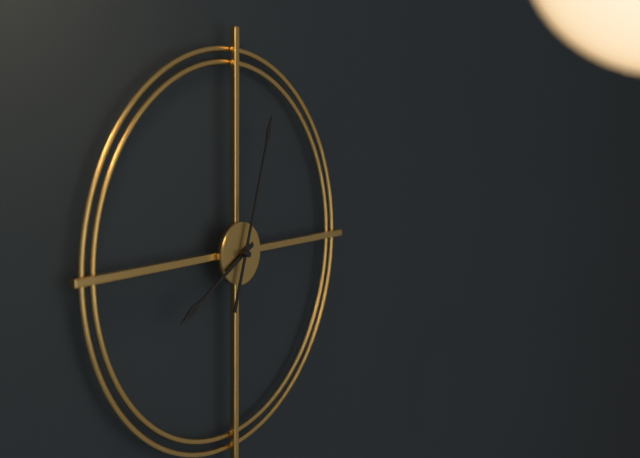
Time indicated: 8:03
